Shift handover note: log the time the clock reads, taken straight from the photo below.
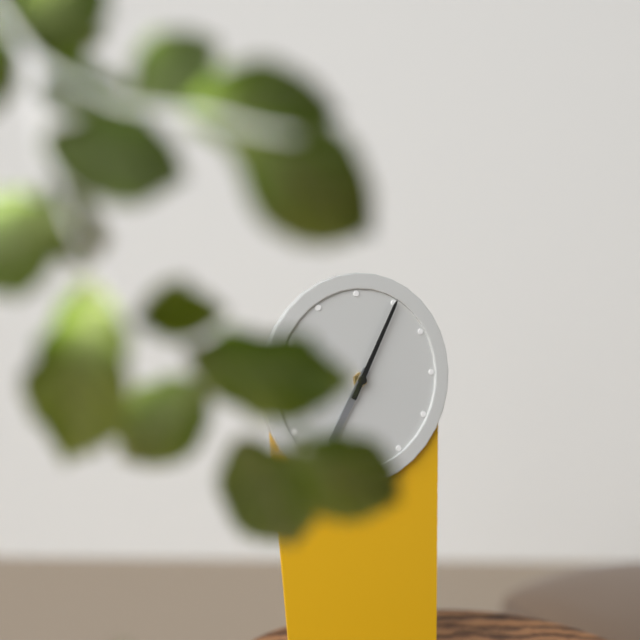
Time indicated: 7:05
